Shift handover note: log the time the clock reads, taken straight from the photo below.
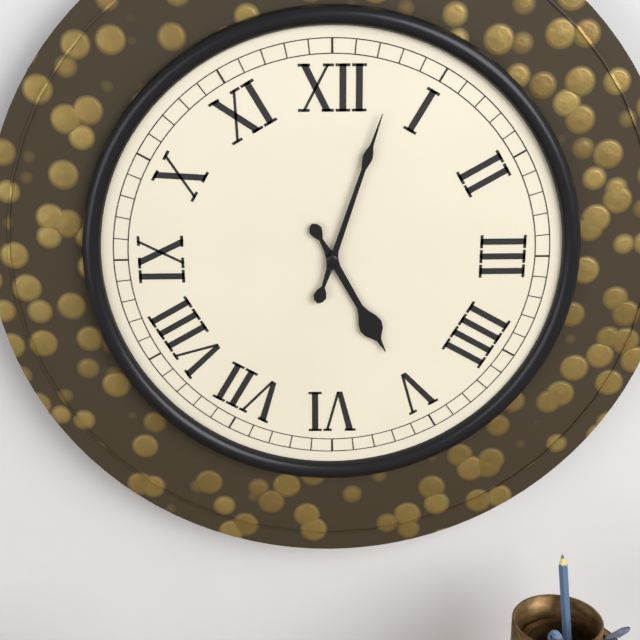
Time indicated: 5:03
